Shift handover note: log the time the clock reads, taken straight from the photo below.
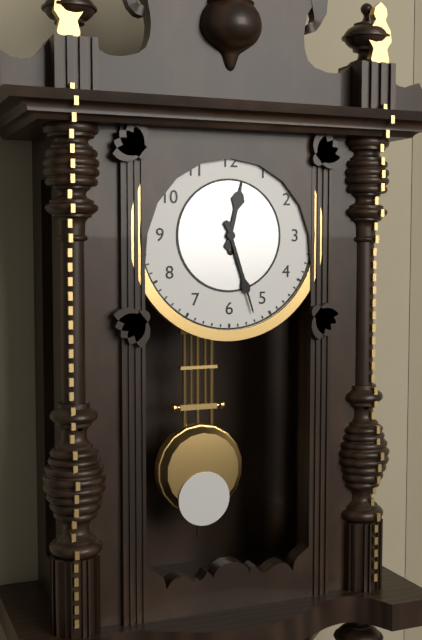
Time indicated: 12:27
